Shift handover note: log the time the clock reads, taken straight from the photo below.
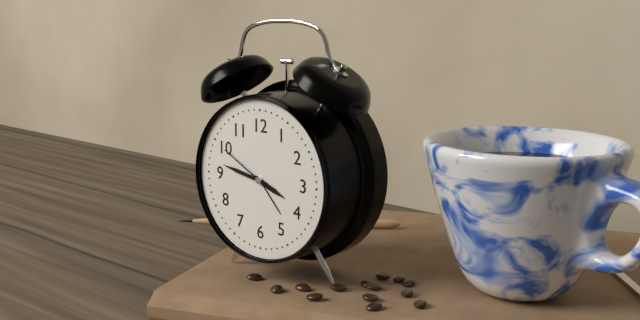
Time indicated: 3:47:50
